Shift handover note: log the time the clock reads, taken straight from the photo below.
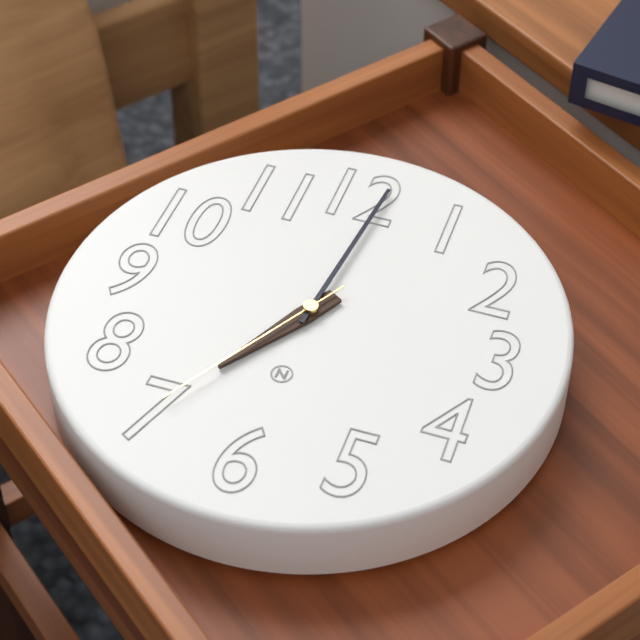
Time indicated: 7:01:35
